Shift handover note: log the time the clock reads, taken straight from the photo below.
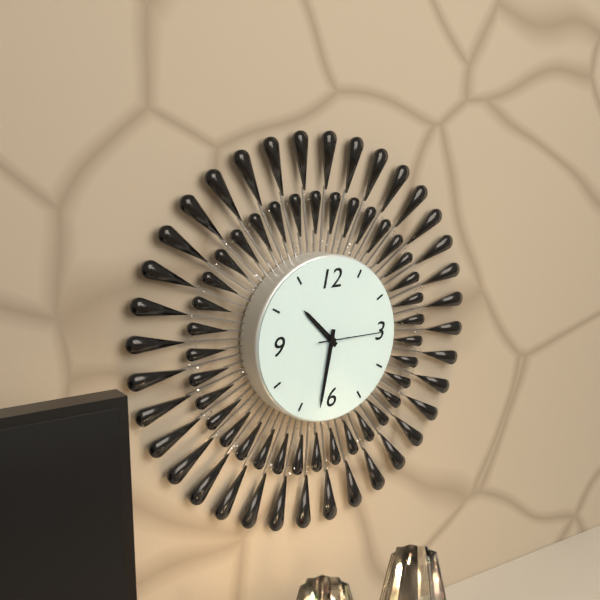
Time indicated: 10:32:15
